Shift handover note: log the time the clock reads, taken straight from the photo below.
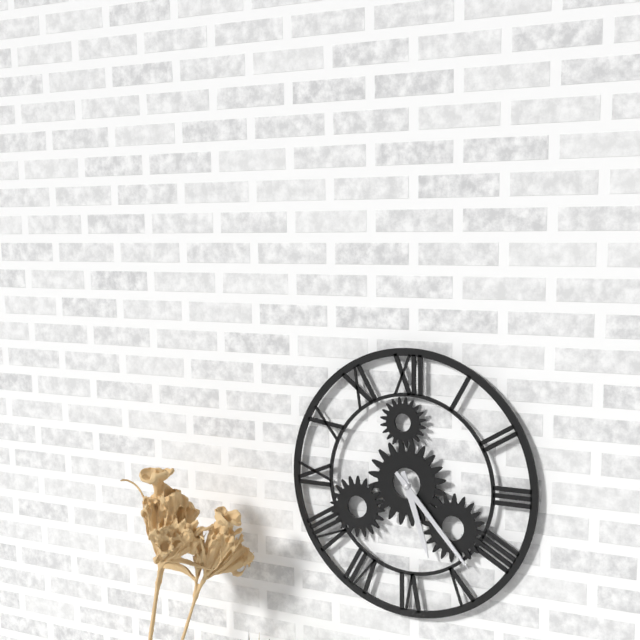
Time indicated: 5:23
